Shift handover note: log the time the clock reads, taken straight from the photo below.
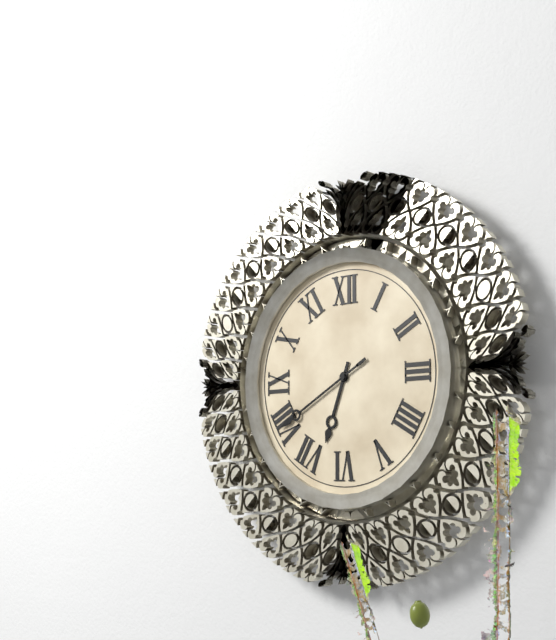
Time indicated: 6:40
